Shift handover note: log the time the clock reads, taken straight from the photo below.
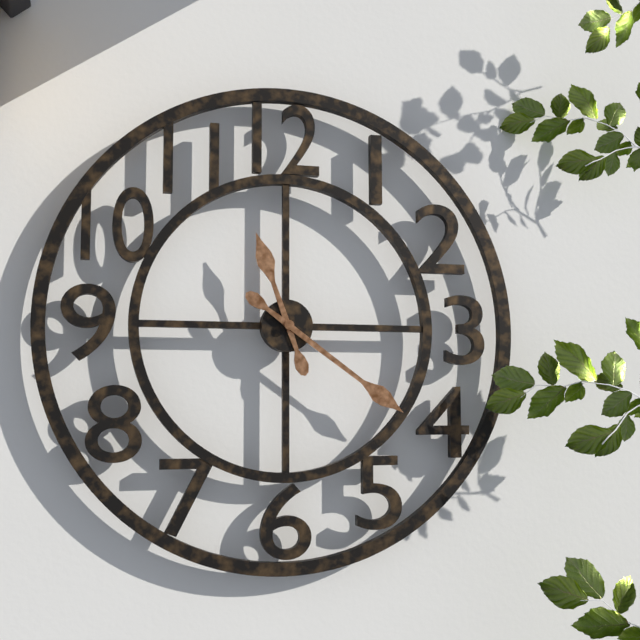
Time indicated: 11:21
